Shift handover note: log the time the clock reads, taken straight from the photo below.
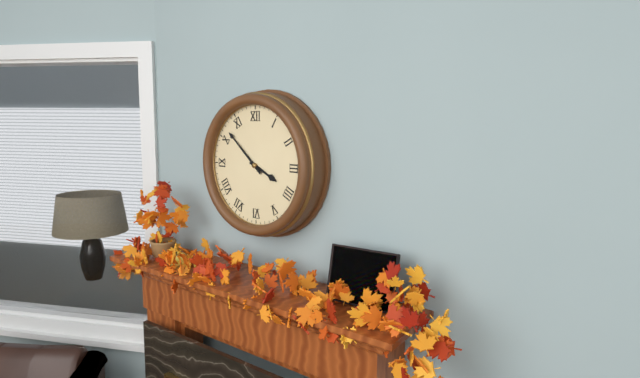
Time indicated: 3:52
